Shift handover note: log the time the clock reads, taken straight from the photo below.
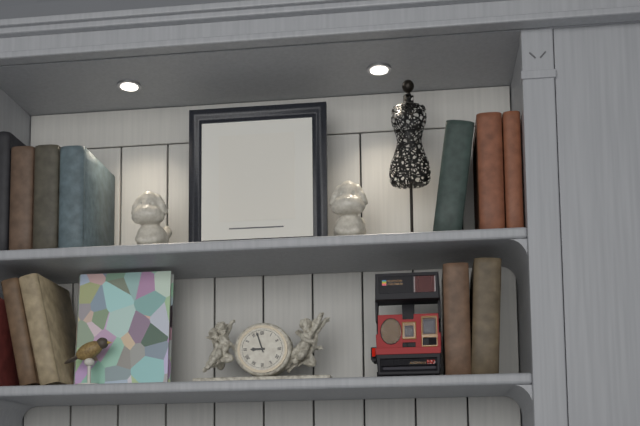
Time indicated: 8:57
